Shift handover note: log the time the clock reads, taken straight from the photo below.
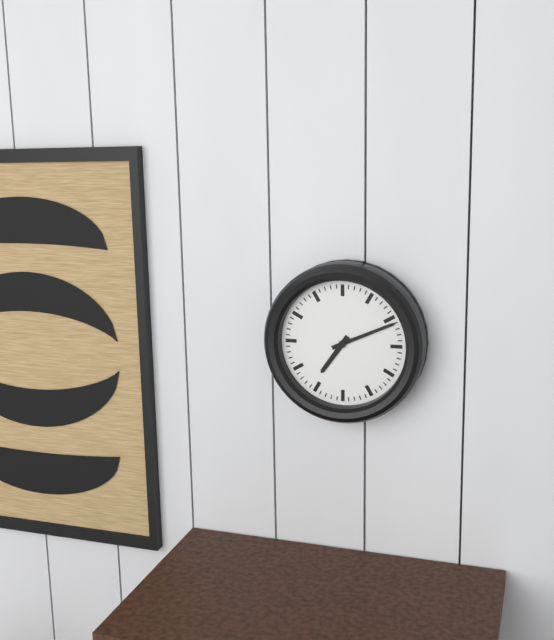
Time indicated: 7:11
